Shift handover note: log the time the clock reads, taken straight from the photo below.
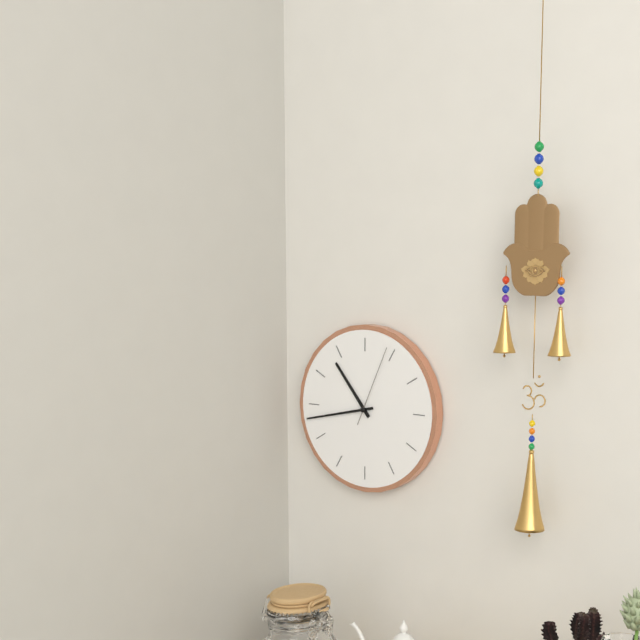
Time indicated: 10:43:04
